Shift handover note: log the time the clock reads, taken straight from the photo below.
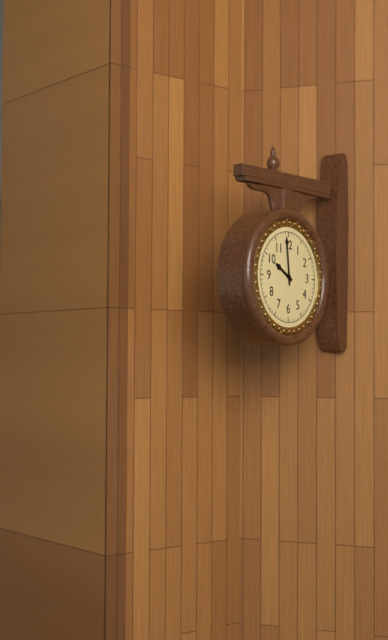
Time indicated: 9:59
